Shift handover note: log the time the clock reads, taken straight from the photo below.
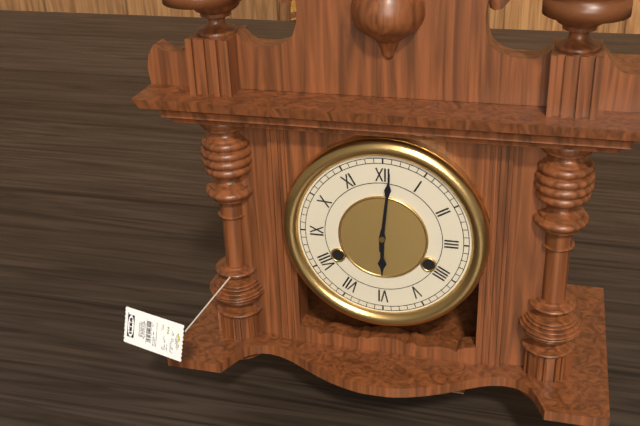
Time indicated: 6:01
